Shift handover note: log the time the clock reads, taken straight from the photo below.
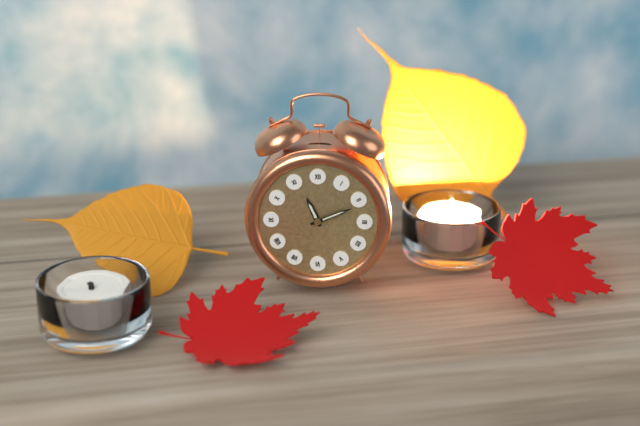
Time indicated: 11:11
